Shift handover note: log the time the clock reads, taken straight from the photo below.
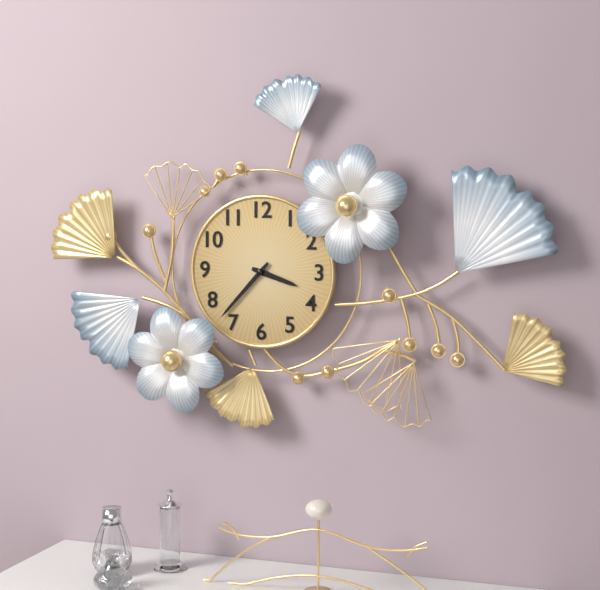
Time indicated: 3:37
